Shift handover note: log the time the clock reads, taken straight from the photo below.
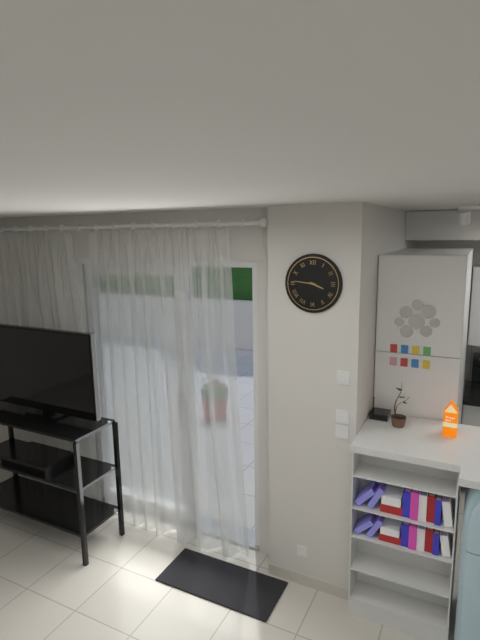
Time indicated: 3:46
